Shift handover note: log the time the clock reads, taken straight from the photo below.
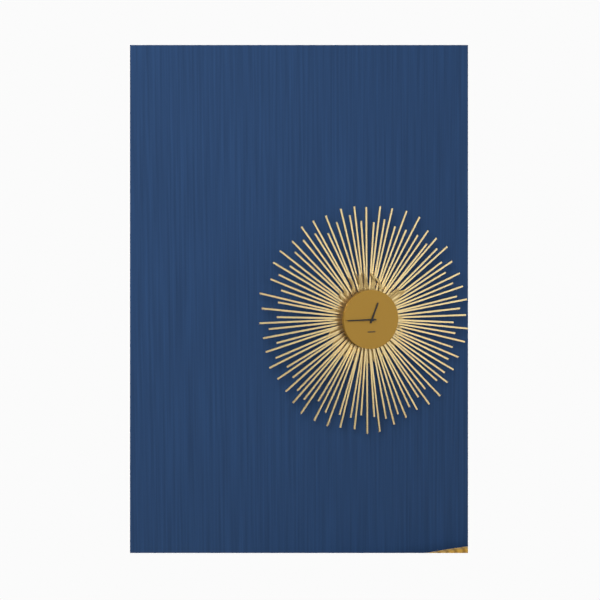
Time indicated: 12:45
